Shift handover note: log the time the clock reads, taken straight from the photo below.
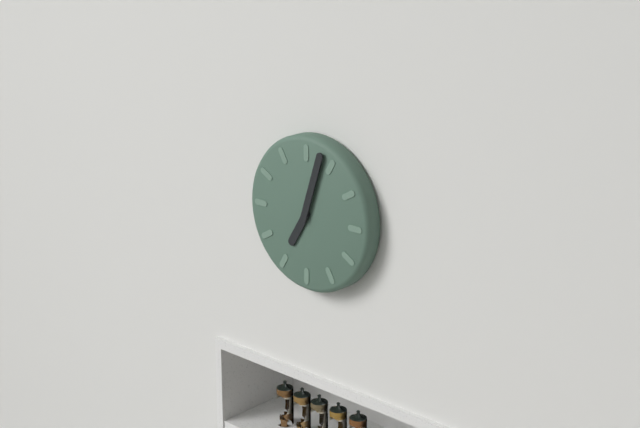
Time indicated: 7:03
